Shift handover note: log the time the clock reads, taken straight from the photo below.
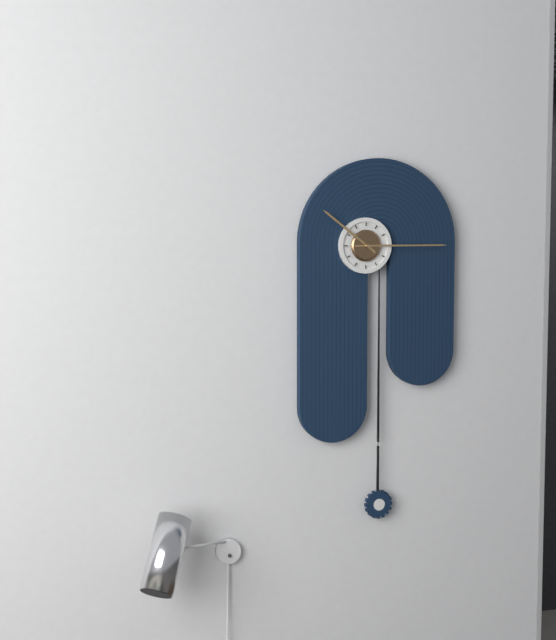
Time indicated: 10:15
